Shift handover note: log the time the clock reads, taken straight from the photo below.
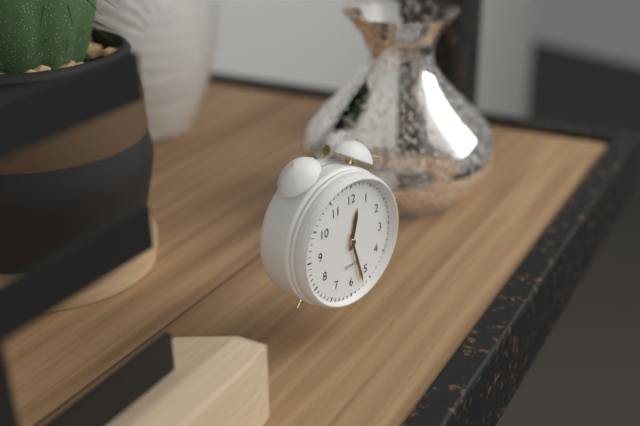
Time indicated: 12:27
